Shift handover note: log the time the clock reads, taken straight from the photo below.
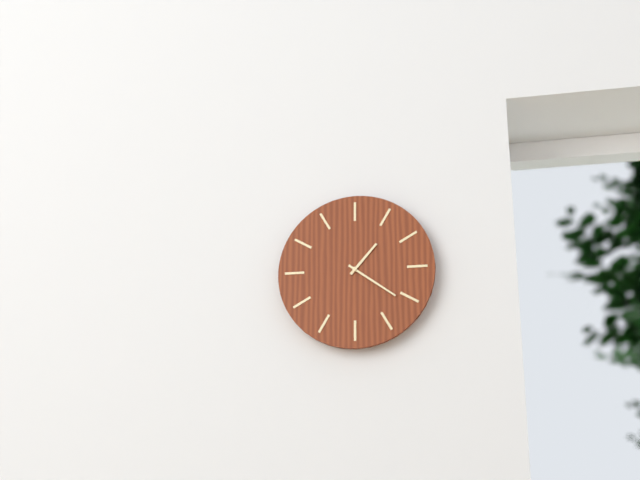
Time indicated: 1:21
